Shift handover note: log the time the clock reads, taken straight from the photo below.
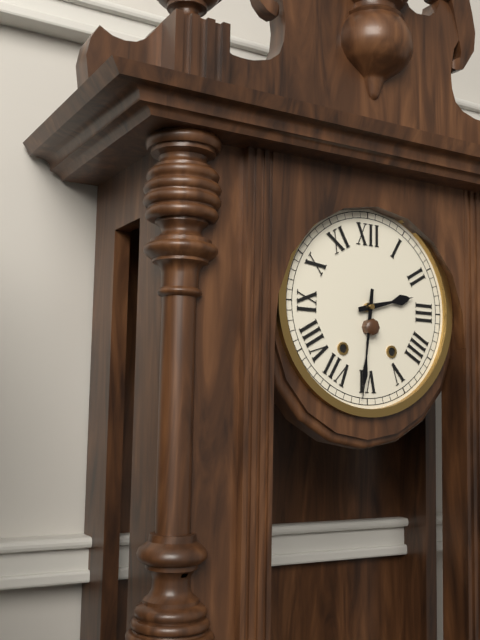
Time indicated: 2:31
